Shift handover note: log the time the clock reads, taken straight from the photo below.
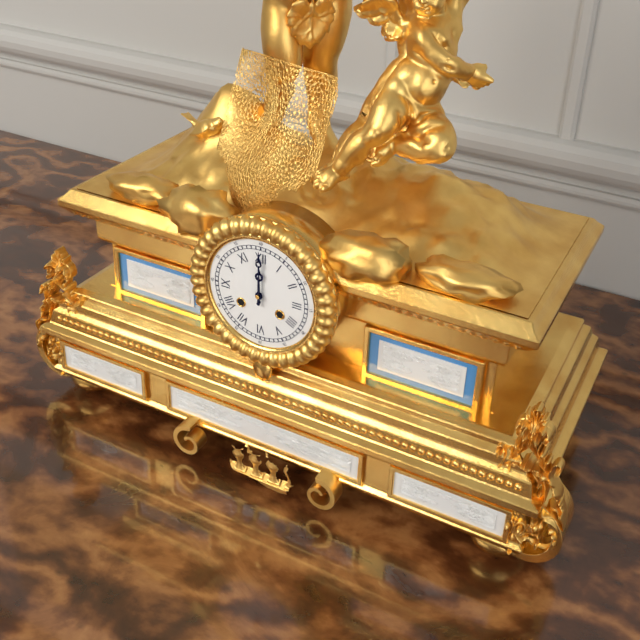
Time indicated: 12:00
